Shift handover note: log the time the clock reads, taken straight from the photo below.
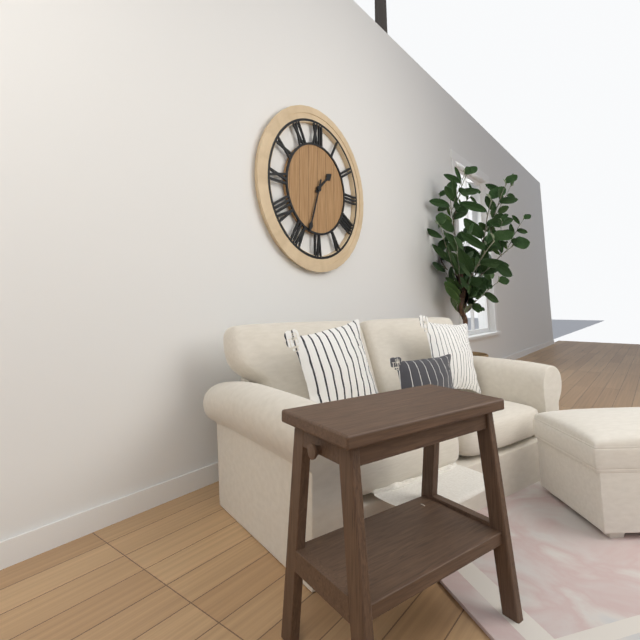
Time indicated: 1:33
